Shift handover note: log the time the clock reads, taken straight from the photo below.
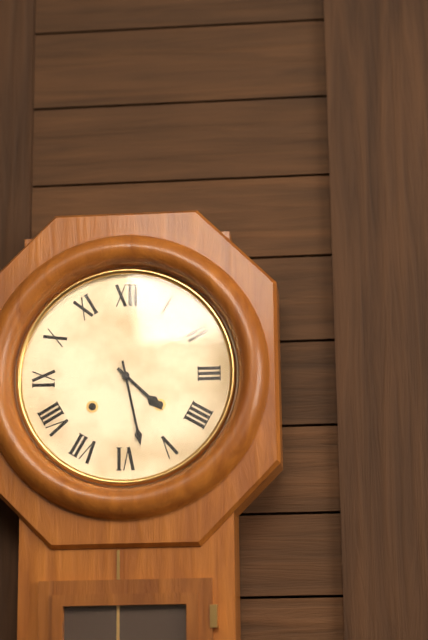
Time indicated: 4:28
